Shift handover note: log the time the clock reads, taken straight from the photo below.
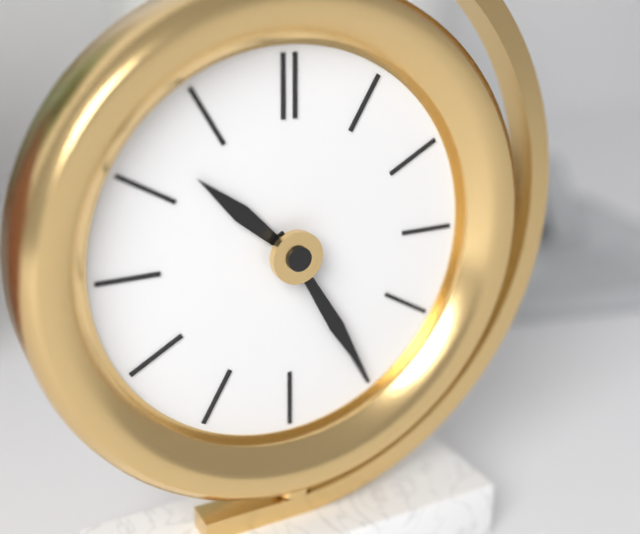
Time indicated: 10:25
